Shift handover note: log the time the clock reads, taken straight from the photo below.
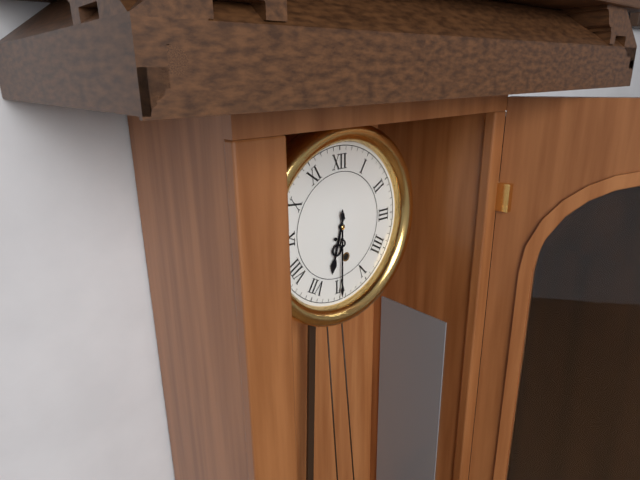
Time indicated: 6:30
